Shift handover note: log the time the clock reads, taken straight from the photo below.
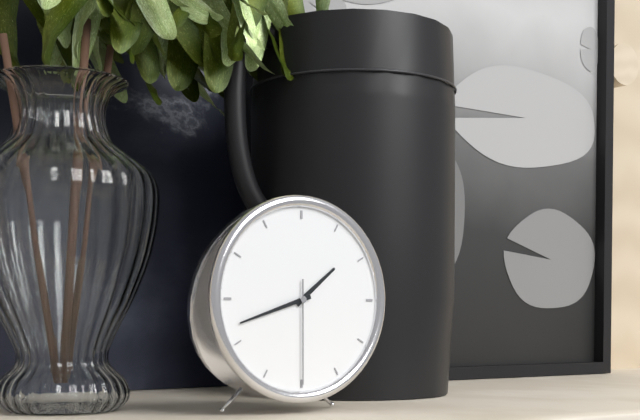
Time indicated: 1:42:30
